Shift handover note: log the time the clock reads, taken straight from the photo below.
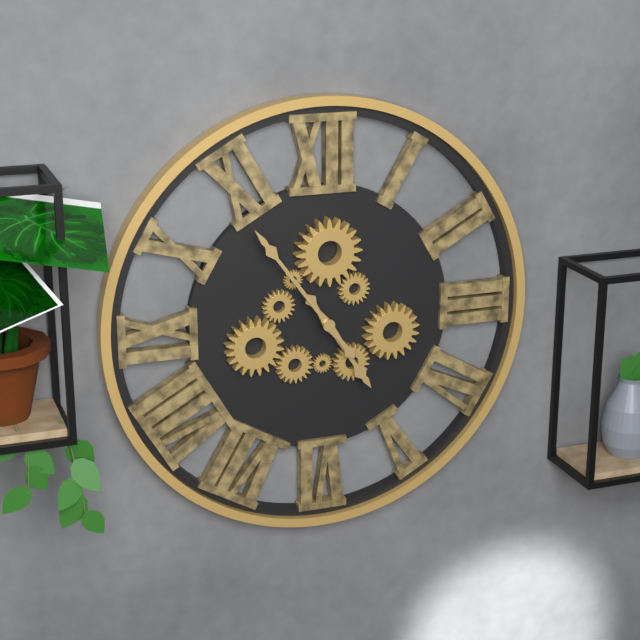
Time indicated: 4:54
